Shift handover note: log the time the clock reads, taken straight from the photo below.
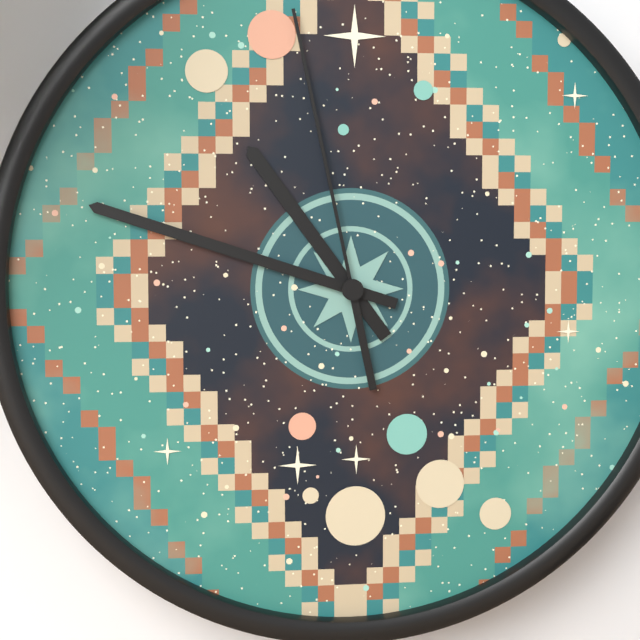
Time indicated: 10:48:58
